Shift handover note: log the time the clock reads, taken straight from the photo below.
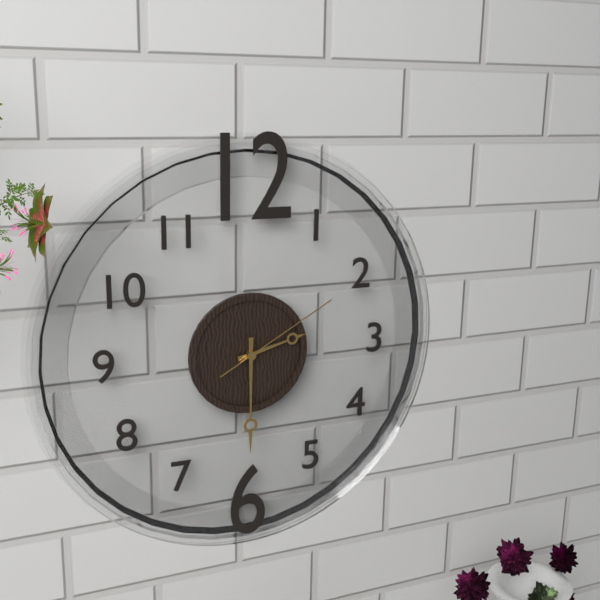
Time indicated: 2:30:10
